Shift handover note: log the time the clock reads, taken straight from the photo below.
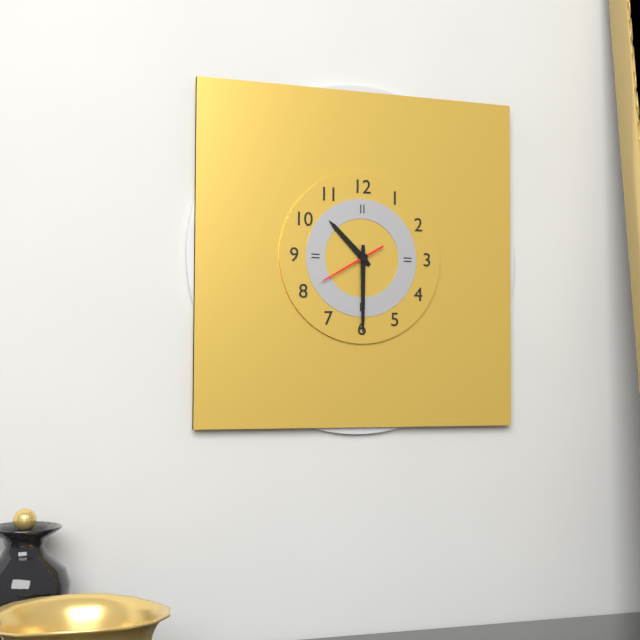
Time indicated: 10:30:40
